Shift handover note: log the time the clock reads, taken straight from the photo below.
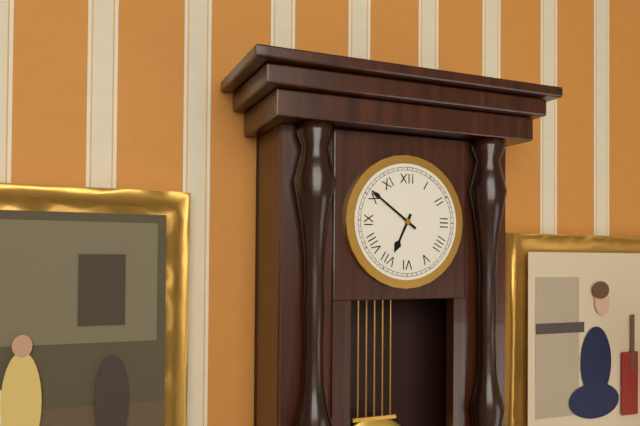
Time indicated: 6:51
